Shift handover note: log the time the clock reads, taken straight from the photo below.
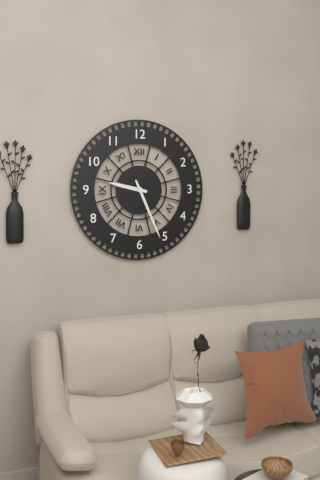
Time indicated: 9:26
